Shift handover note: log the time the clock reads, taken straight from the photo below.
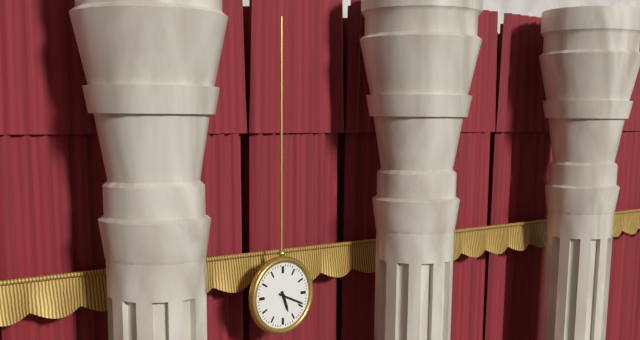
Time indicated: 5:19
